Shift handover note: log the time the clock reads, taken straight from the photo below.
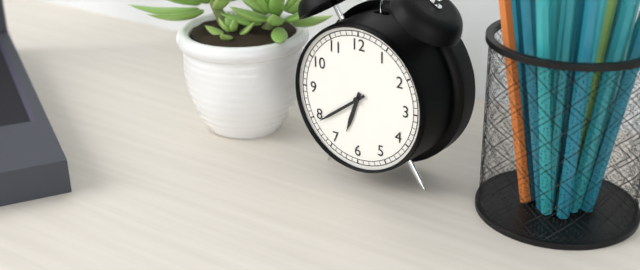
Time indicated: 6:39
